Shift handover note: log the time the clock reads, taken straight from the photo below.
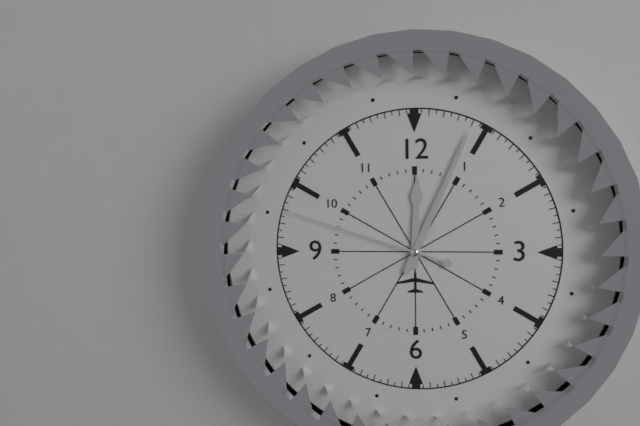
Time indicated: 12:04:48
